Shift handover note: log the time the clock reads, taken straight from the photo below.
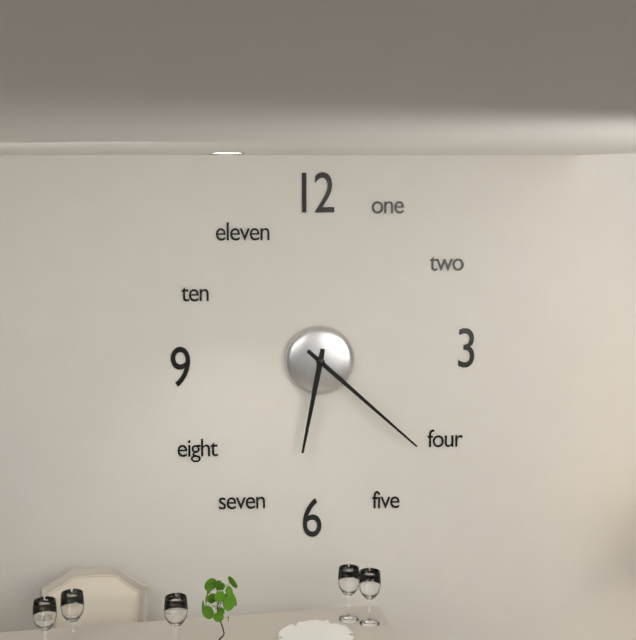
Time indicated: 6:22
